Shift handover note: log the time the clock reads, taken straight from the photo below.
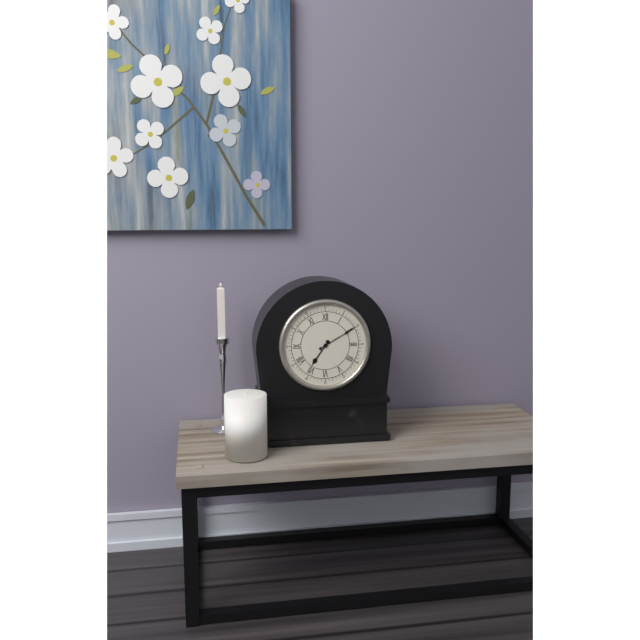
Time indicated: 7:10
